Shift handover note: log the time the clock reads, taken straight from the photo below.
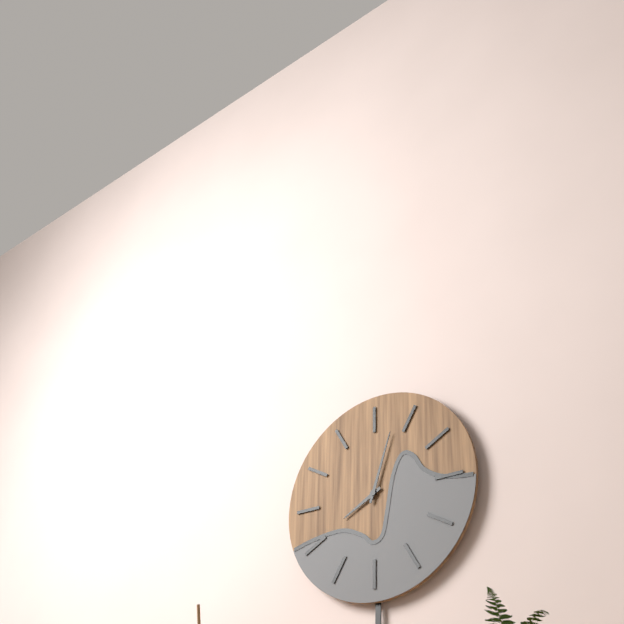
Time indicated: 8:03
